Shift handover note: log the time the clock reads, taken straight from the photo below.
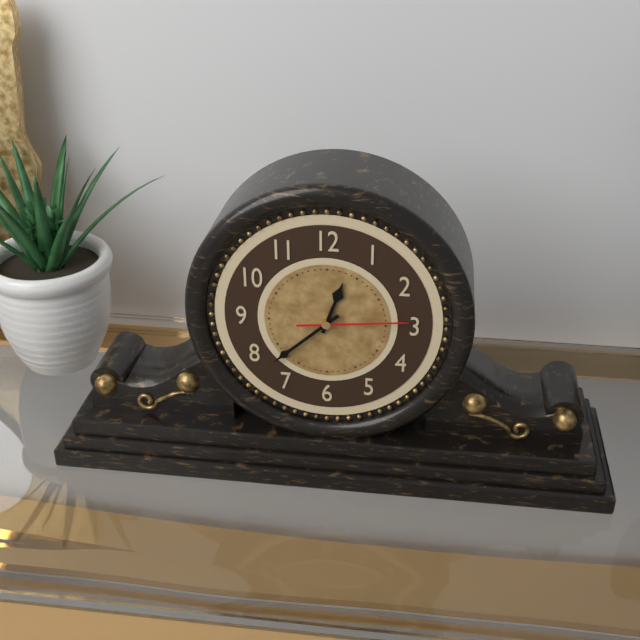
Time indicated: 12:38:14
